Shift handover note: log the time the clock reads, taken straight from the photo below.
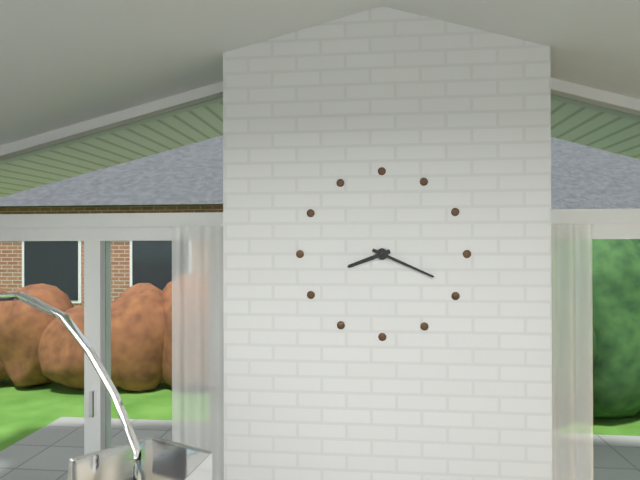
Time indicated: 8:19
